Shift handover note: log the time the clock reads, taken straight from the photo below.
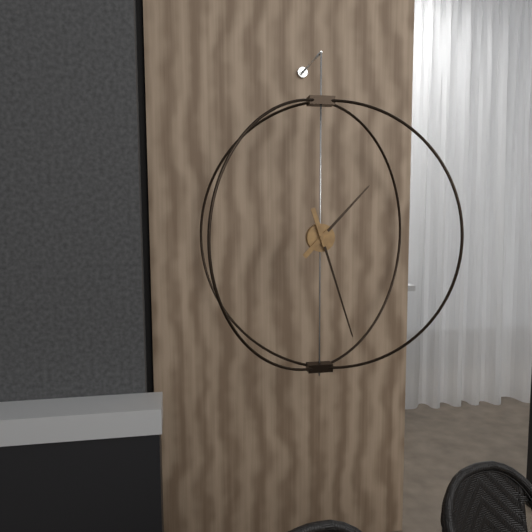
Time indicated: 1:27
